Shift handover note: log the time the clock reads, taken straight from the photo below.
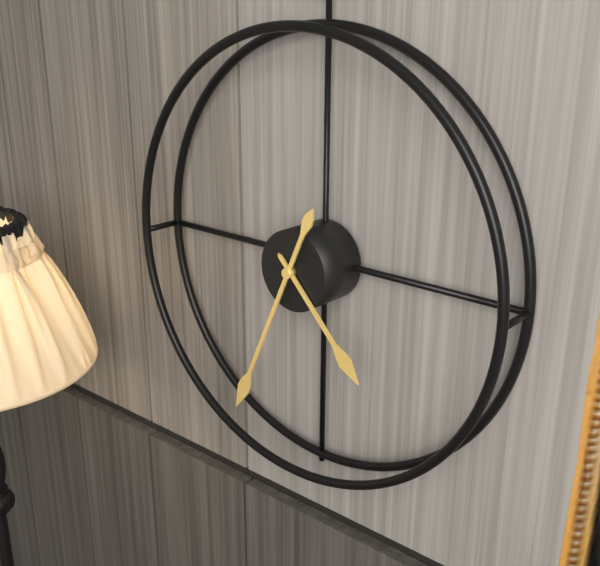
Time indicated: 4:34
